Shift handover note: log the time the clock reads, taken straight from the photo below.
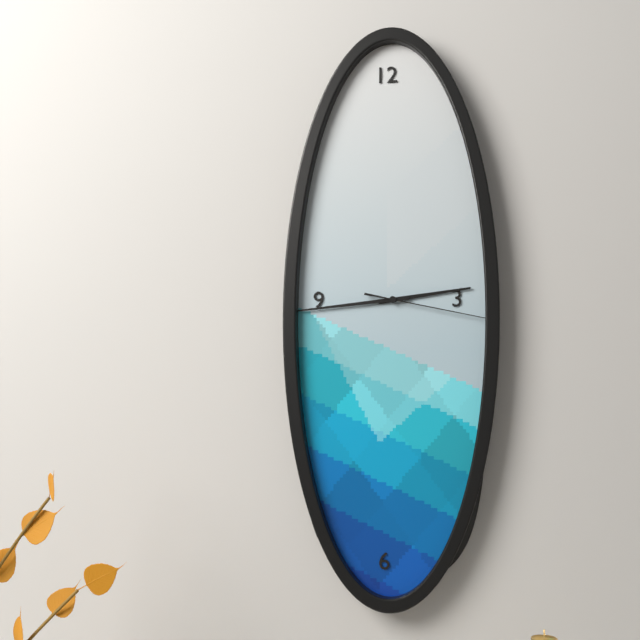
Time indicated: 2:44:17
